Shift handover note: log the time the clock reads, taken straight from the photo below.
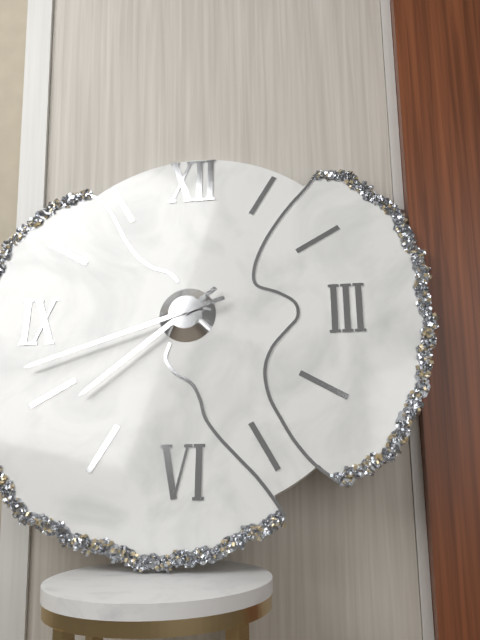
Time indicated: 7:42
